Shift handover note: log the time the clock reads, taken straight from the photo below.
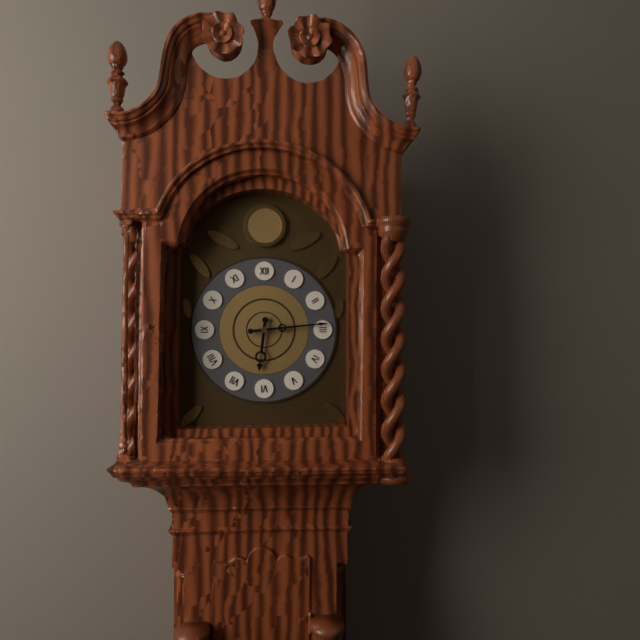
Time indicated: 6:14
